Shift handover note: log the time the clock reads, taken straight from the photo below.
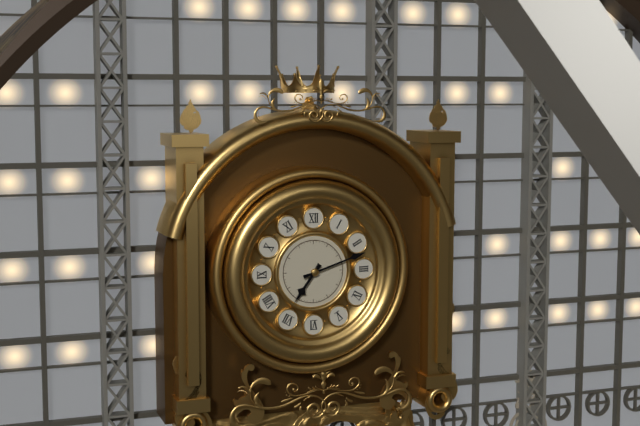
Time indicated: 7:12
